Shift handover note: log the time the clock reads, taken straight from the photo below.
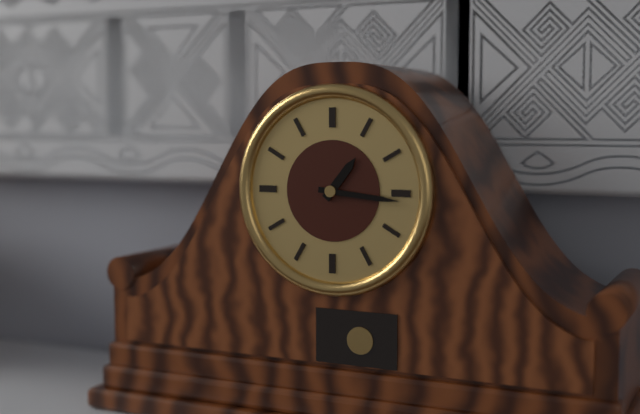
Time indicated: 1:16
